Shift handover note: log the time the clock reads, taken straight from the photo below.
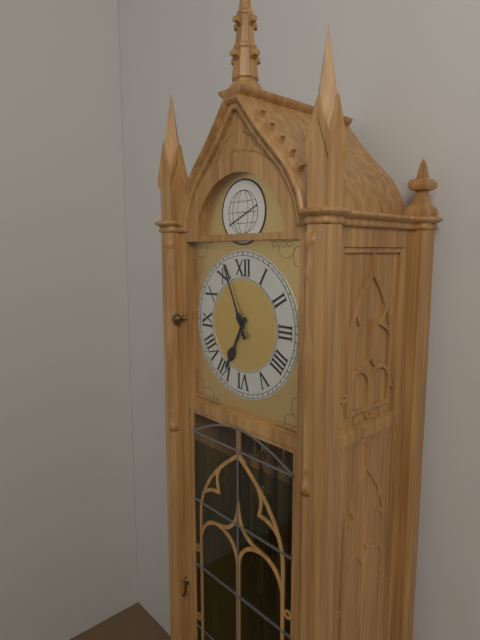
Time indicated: 6:56
